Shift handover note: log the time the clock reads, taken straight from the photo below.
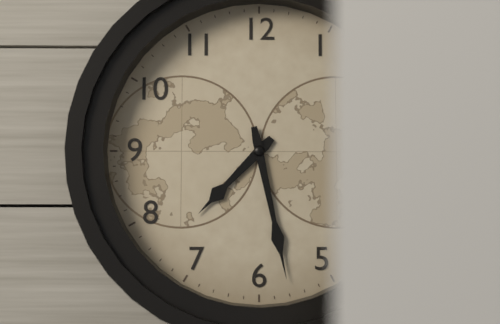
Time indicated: 7:28
